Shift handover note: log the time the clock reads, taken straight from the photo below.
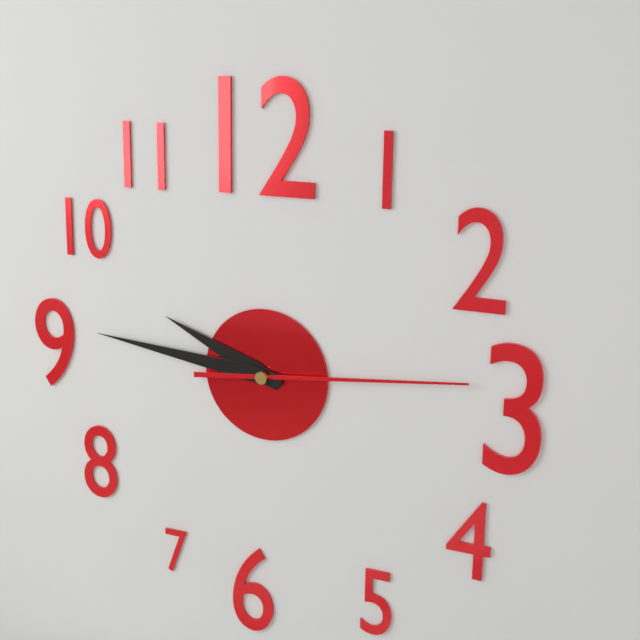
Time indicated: 9:46:14
